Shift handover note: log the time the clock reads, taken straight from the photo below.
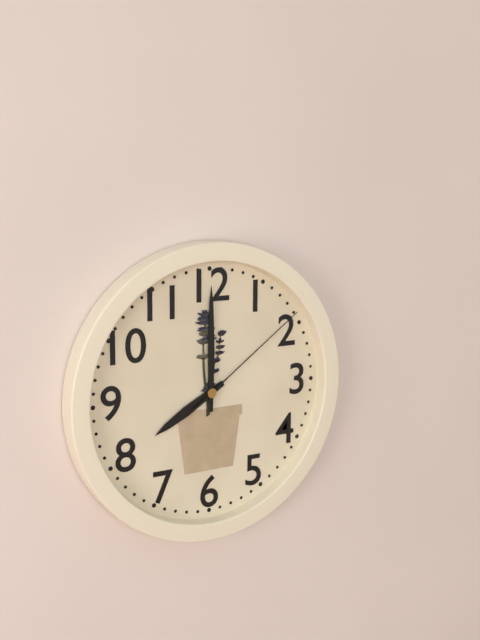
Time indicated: 8:00:09
